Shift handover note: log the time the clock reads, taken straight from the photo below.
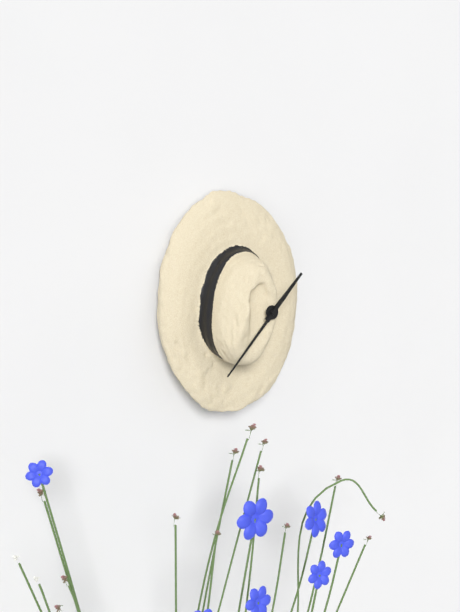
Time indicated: 1:38
